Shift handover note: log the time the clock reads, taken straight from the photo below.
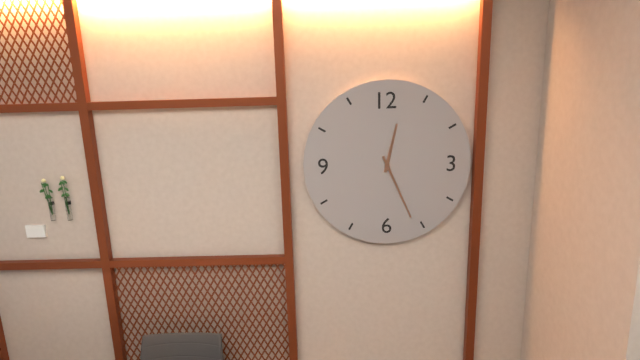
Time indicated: 12:26
